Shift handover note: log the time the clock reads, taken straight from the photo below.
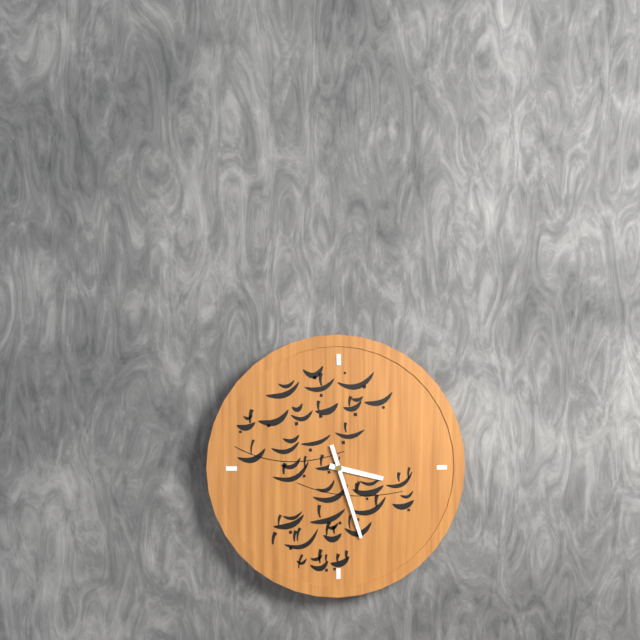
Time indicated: 3:27
